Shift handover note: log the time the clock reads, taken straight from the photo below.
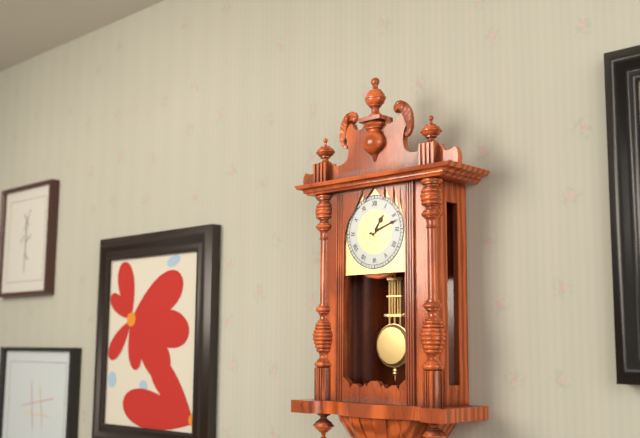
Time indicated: 1:12
